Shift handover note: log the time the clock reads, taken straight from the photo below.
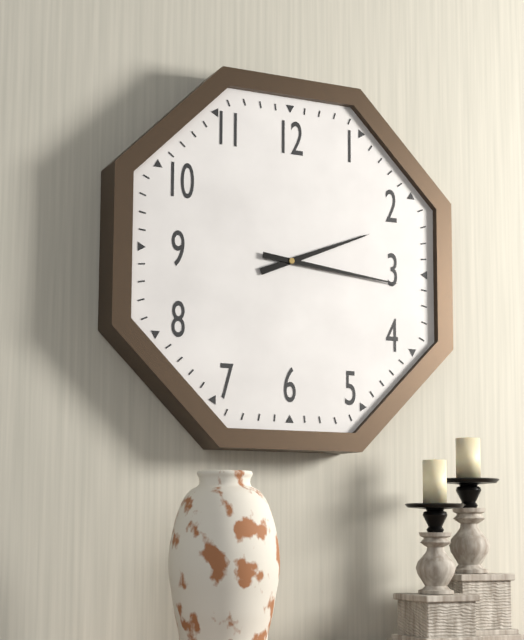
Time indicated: 2:16
